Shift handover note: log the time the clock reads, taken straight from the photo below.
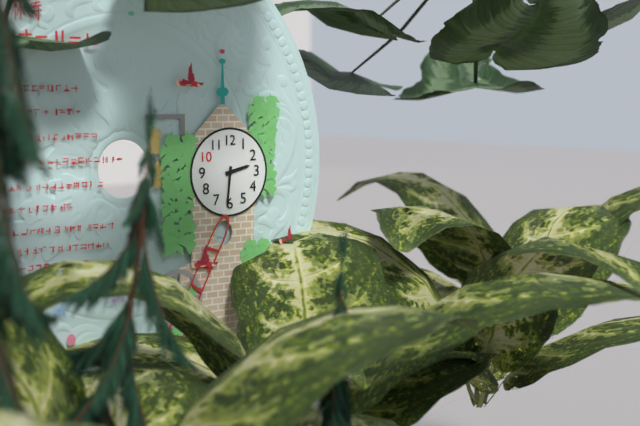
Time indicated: 2:31
